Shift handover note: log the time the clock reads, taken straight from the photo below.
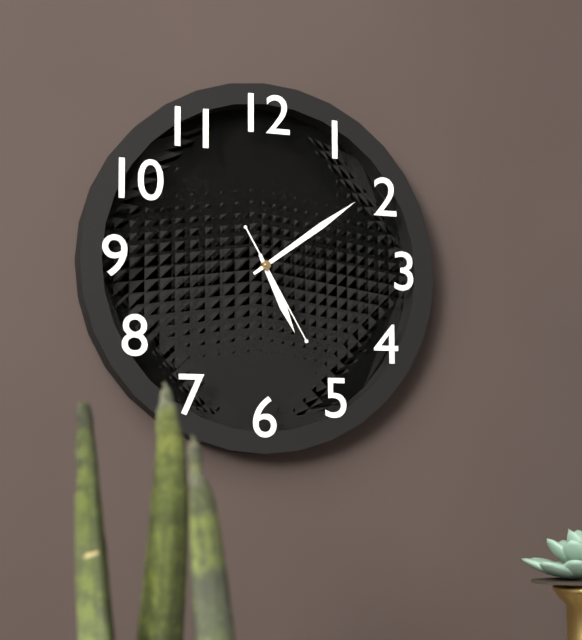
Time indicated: 5:09:25
